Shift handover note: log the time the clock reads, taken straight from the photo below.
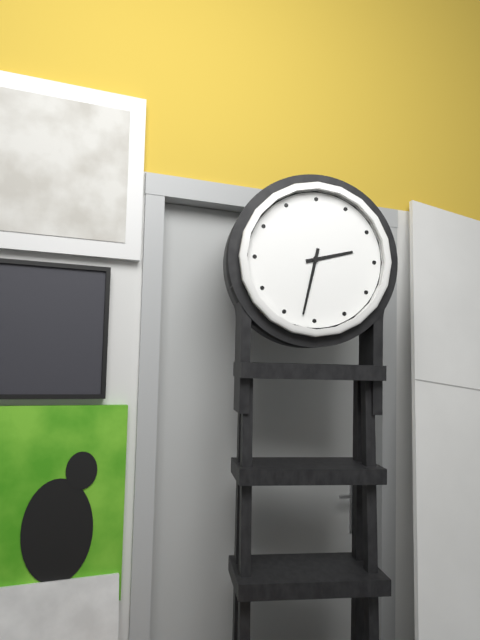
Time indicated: 2:32
